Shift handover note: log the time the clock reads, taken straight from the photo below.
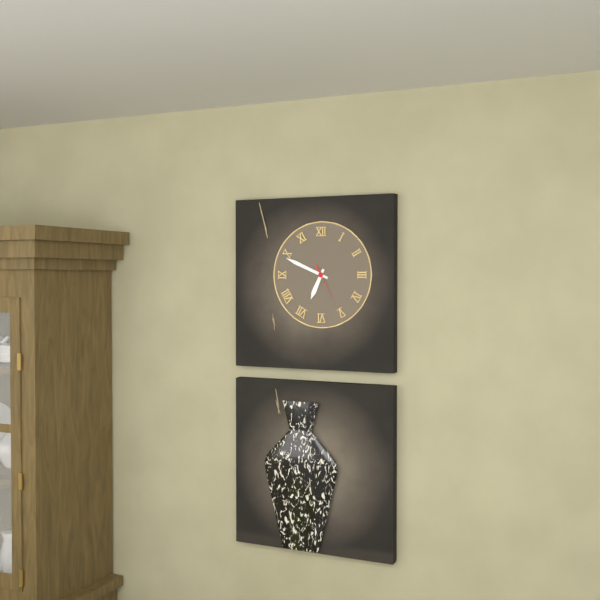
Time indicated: 6:49
